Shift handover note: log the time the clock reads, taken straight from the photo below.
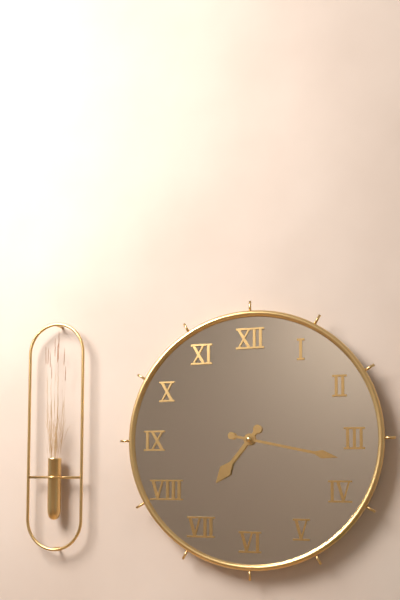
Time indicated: 7:17
